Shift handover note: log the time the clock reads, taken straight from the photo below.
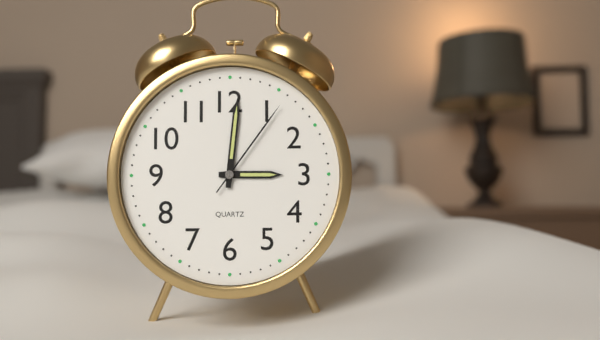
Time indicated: 3:01:06
